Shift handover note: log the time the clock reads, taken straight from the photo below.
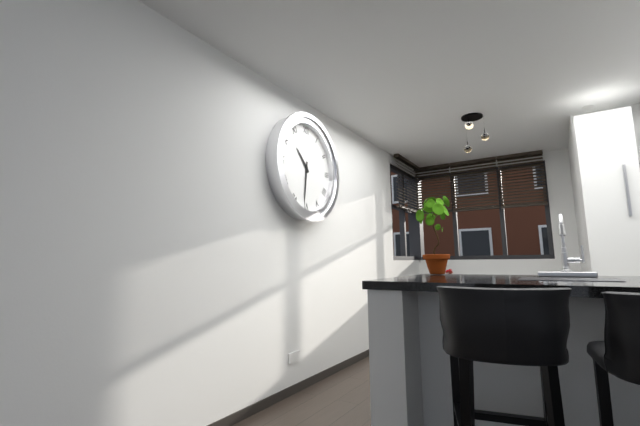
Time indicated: 10:31
